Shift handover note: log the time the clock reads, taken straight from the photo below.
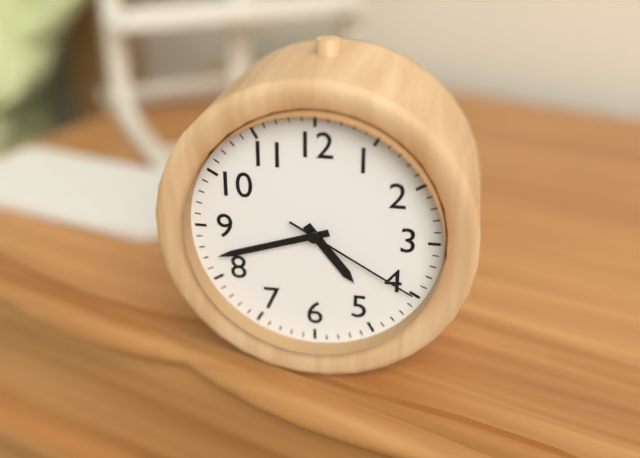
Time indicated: 4:42:20
